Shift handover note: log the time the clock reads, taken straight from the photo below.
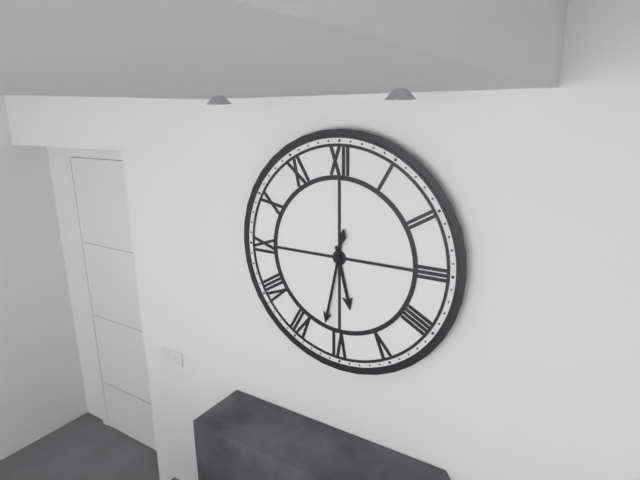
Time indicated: 5:32
